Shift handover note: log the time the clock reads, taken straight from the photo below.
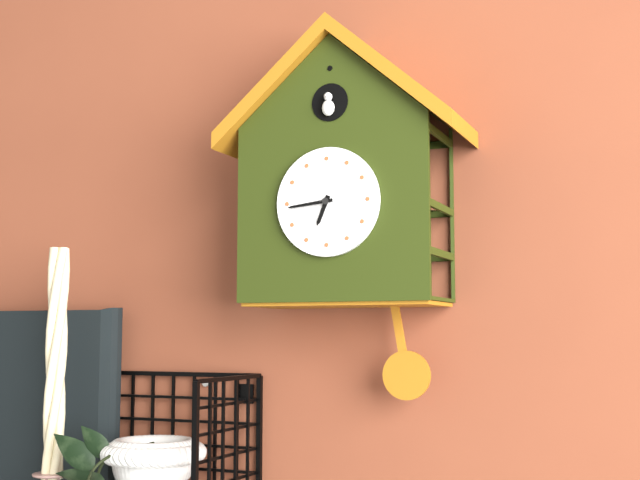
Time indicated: 6:44
